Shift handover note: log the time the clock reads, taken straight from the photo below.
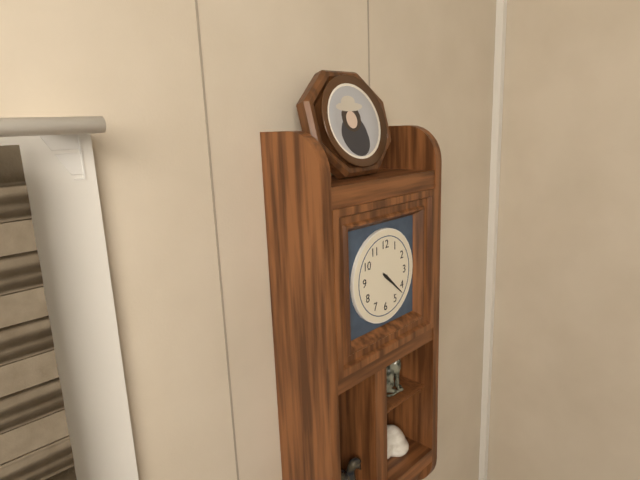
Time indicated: 4:22
